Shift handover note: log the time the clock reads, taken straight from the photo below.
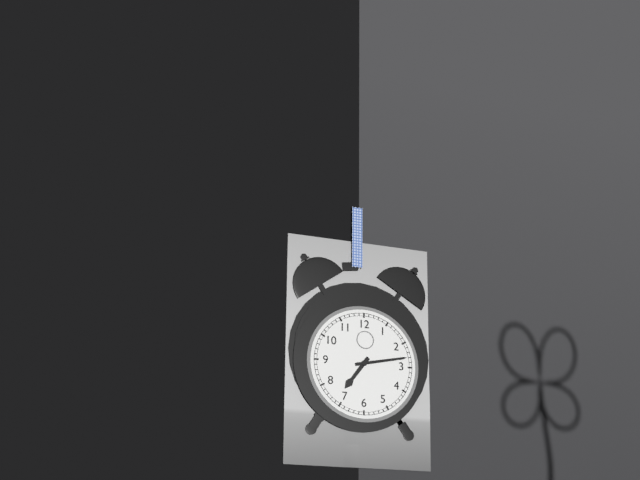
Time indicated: 7:13
